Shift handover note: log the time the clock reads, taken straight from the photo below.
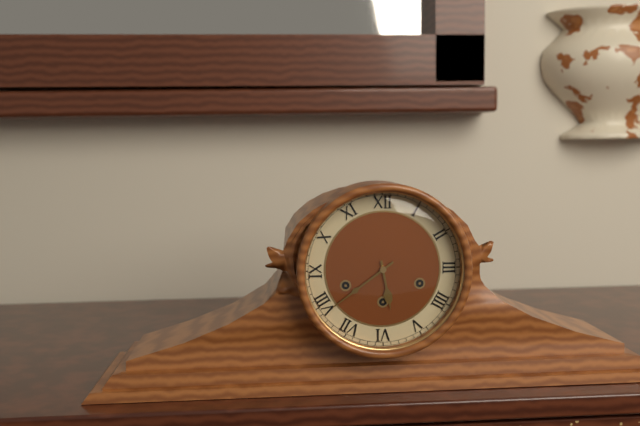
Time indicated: 5:39
